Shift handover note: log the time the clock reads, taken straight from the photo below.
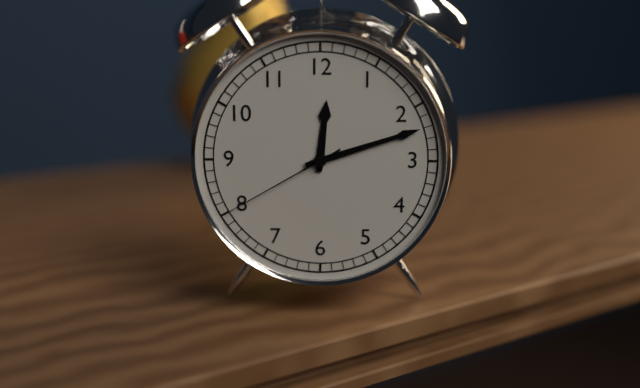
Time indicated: 12:12:40
